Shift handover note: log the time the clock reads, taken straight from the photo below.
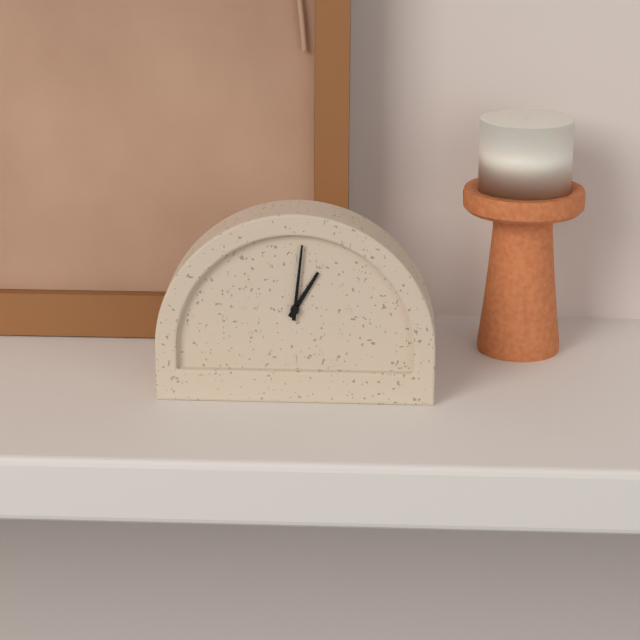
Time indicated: 1:01
